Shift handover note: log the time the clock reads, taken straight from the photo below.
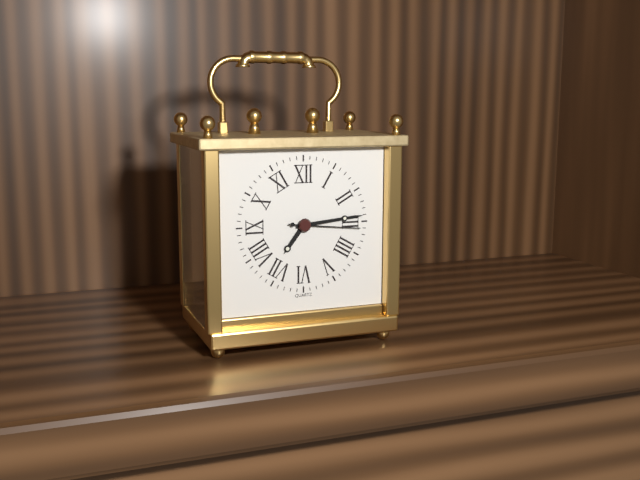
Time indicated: 7:14:16
